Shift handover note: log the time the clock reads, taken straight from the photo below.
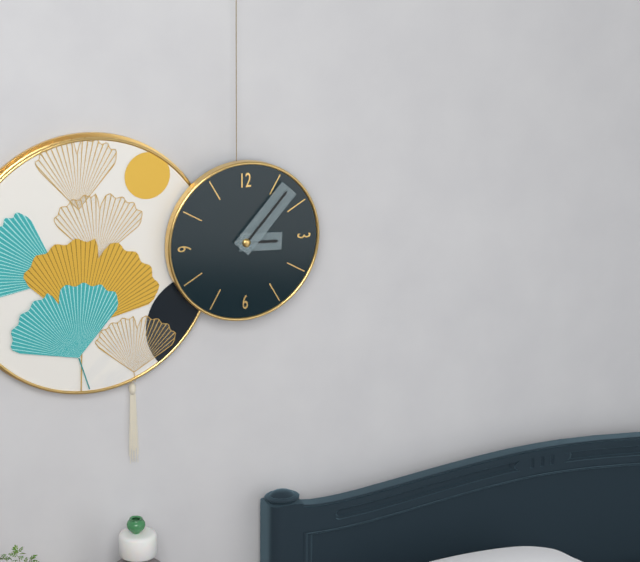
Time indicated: 3:07
